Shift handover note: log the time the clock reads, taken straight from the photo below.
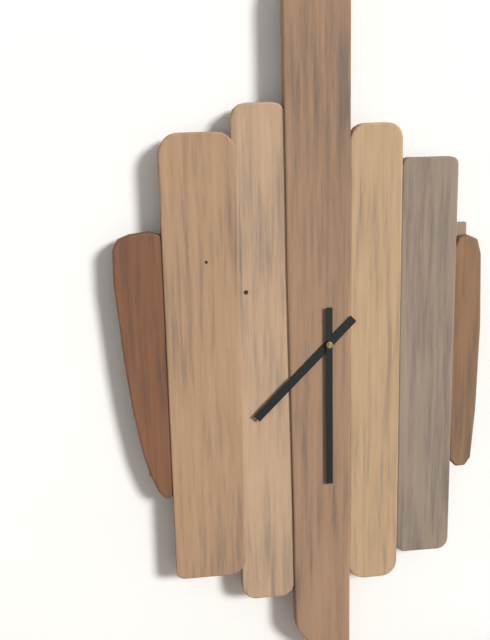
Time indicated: 7:30
